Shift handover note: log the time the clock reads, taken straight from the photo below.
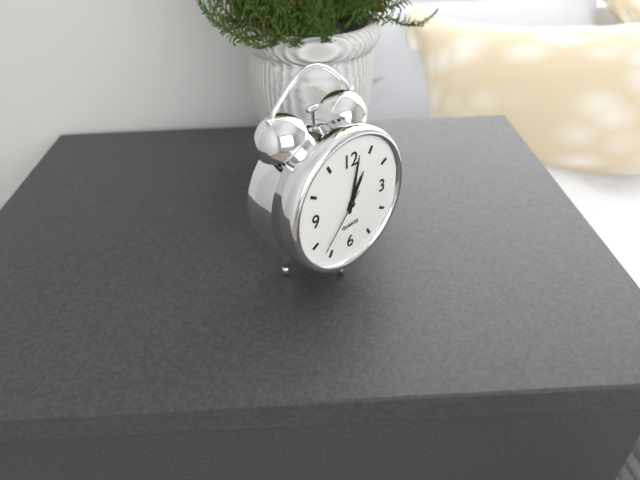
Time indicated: 1:02:37
